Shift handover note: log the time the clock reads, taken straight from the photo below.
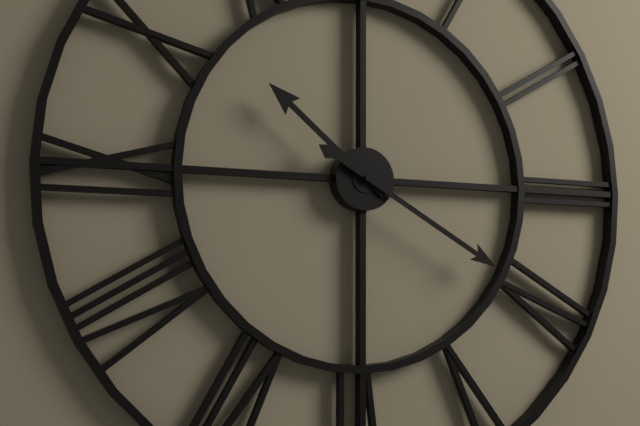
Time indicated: 10:20
